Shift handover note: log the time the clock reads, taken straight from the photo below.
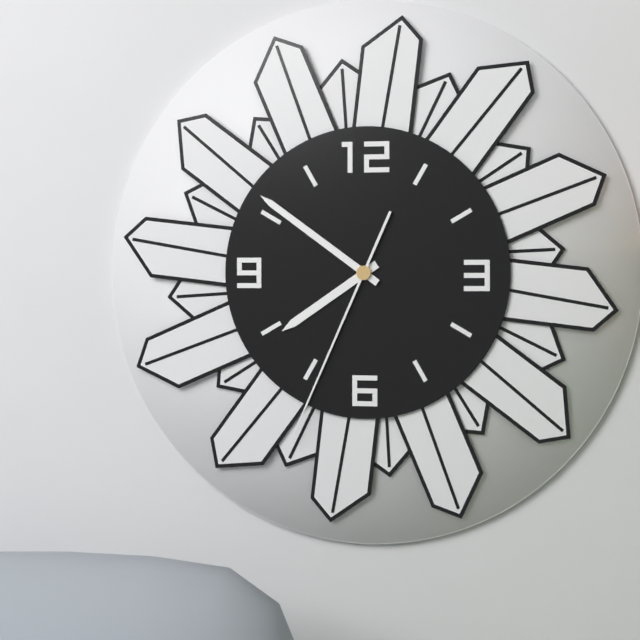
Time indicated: 7:51:34
